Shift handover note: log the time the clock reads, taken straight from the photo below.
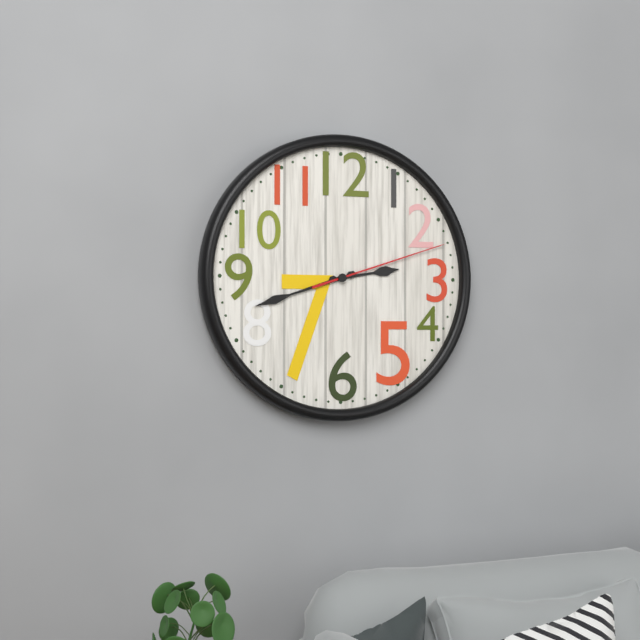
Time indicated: 2:42:12
